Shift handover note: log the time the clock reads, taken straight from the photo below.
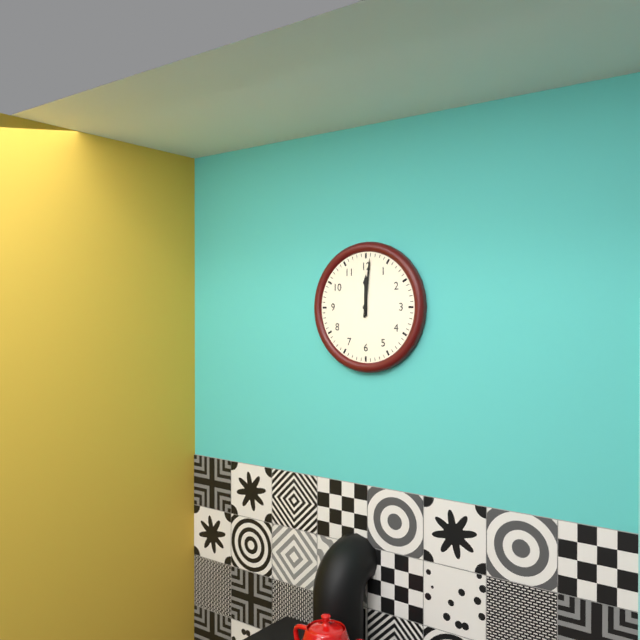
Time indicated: 12:01
